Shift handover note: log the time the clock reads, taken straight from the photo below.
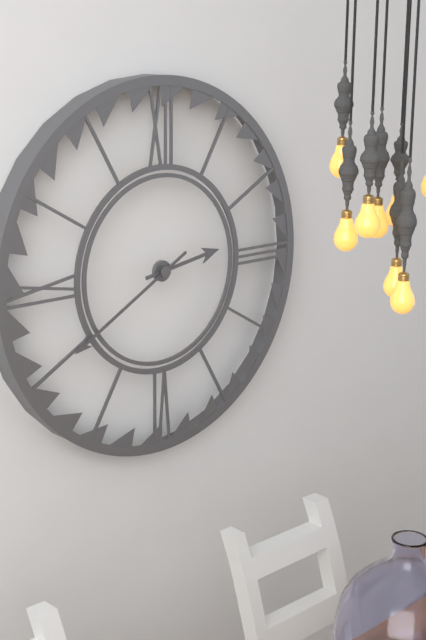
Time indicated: 2:40
